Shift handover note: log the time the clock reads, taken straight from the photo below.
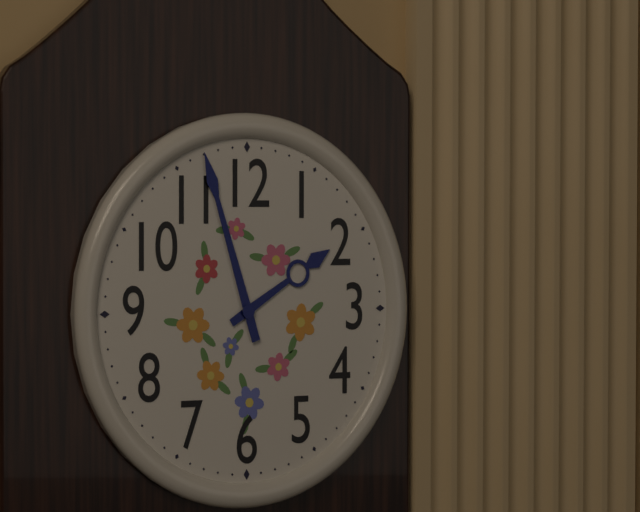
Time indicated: 1:57
